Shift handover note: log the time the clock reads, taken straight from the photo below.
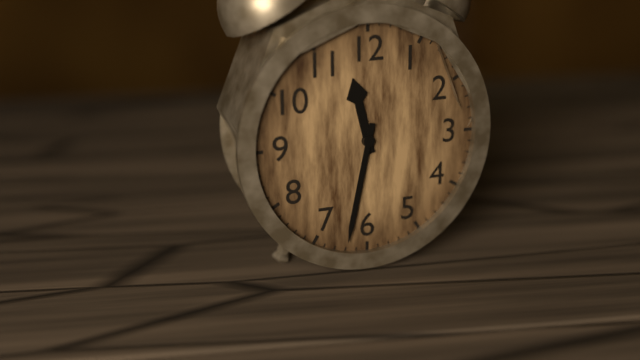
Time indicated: 11:32
